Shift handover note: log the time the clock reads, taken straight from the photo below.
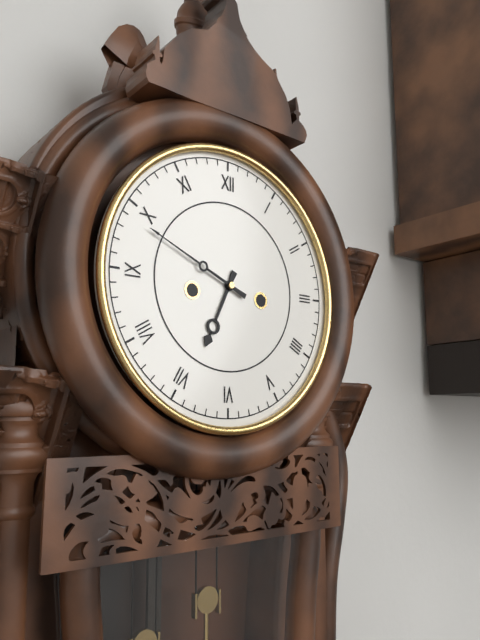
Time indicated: 6:49
